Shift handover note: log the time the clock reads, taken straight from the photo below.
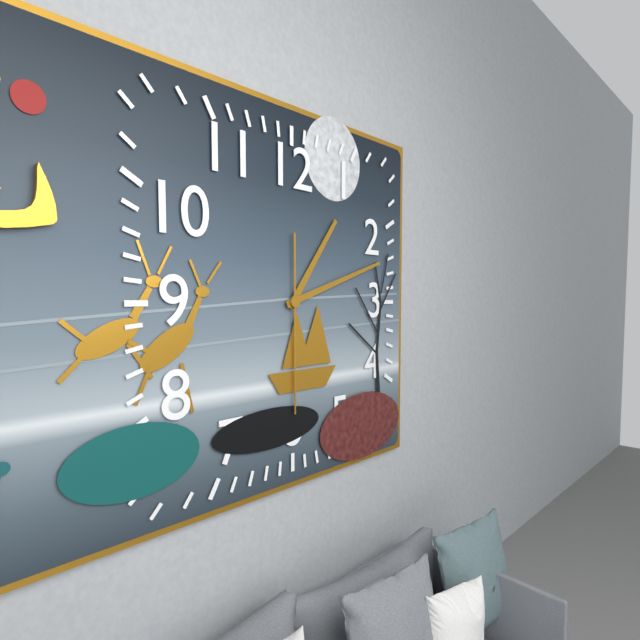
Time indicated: 1:12:30
